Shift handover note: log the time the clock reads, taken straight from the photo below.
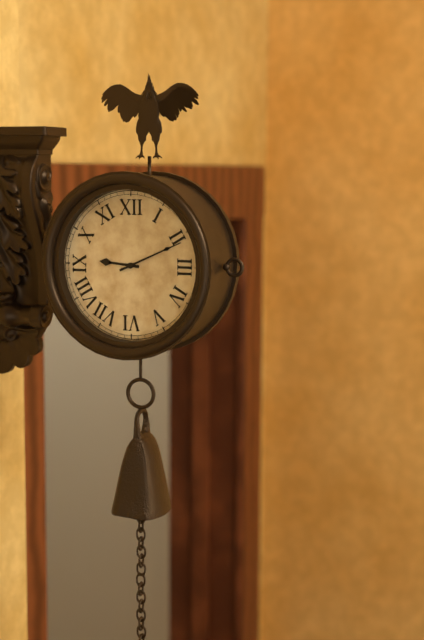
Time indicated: 9:11
